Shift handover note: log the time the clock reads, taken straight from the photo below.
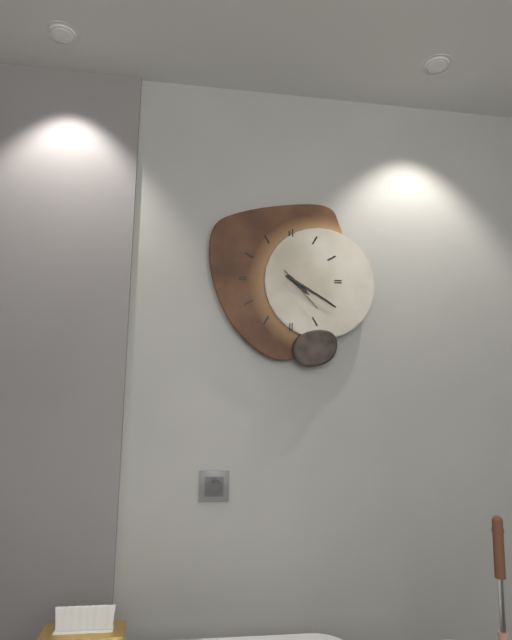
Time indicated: 4:20
